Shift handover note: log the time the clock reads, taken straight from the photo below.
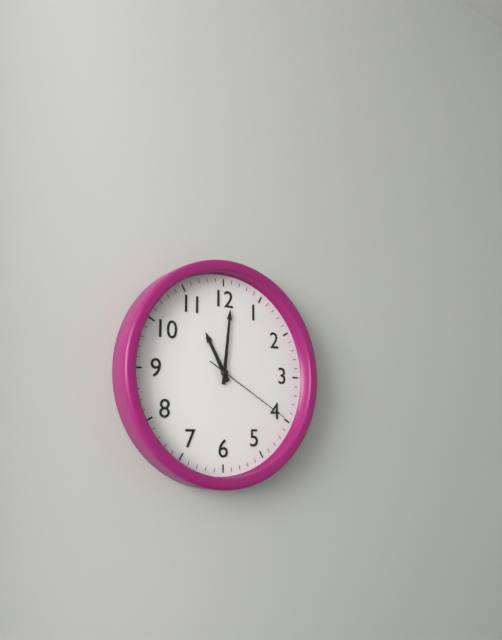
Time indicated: 11:01:20
